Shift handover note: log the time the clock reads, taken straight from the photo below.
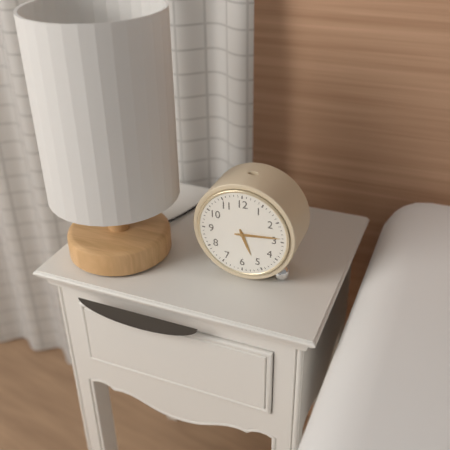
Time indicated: 5:14
